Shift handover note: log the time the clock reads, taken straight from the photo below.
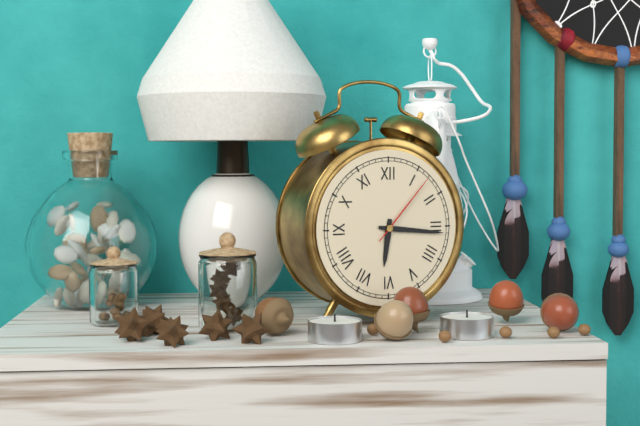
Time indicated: 6:16:07
